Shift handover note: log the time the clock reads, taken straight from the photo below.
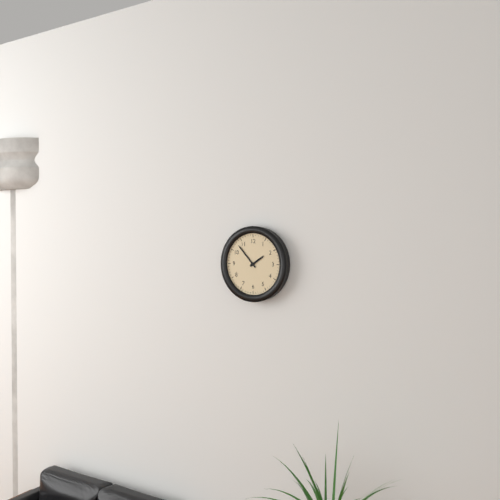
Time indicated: 1:53
